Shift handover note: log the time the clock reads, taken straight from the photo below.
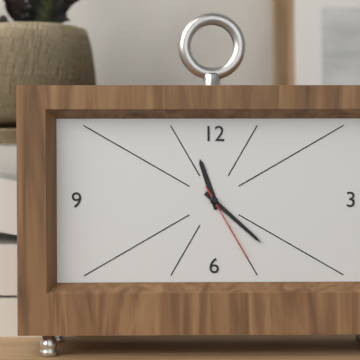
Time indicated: 11:22:25
